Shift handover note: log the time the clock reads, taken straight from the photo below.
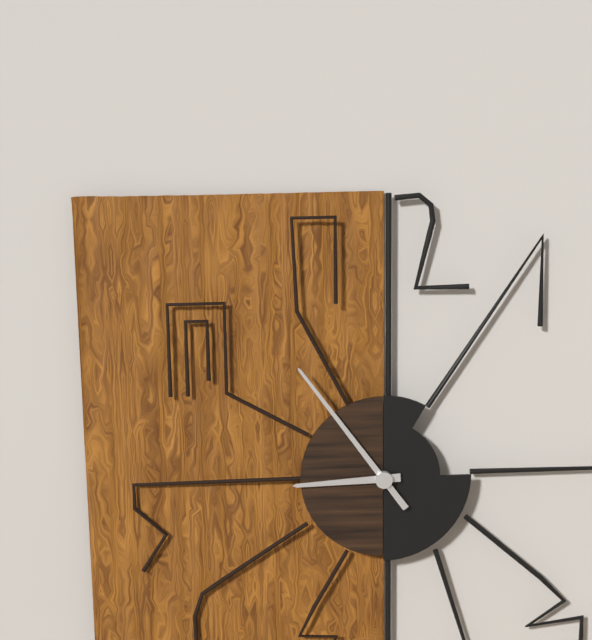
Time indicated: 8:54
